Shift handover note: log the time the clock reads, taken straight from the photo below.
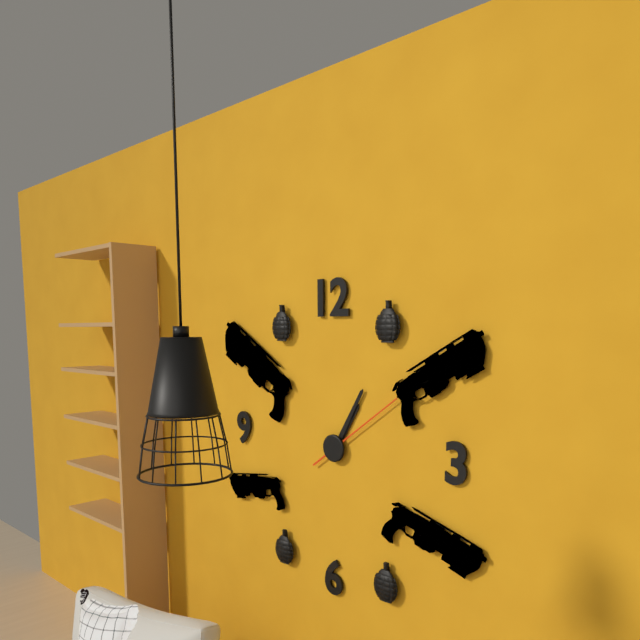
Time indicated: 1:05:09
